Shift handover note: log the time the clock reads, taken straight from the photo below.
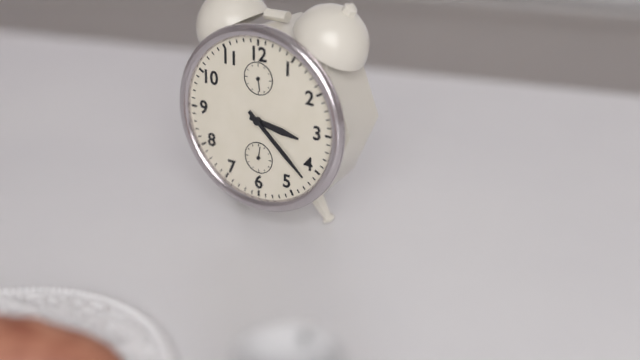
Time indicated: 3:22
